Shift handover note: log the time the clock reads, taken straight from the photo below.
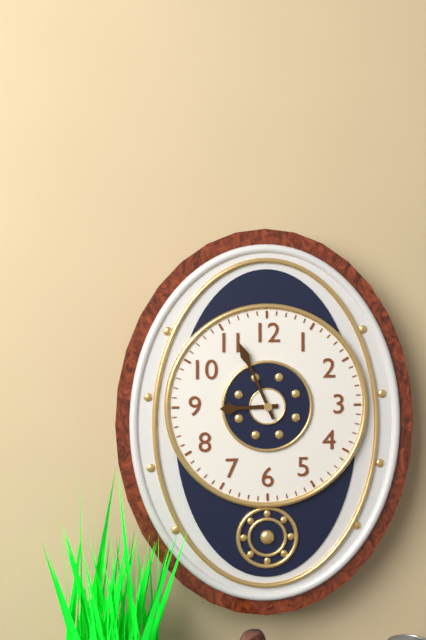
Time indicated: 8:56
